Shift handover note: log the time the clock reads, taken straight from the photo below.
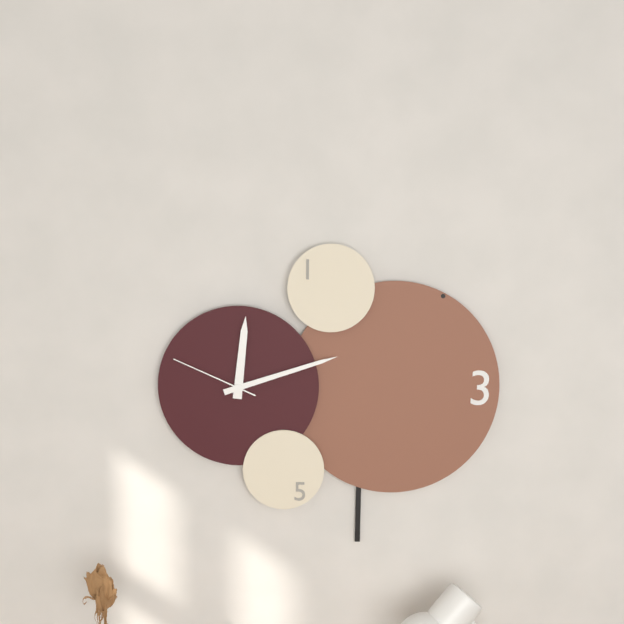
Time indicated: 12:12:49
